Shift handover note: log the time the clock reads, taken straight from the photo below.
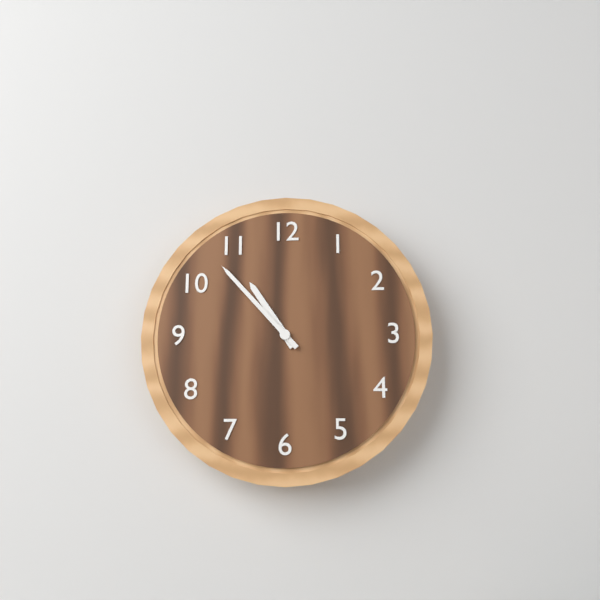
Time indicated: 10:53
